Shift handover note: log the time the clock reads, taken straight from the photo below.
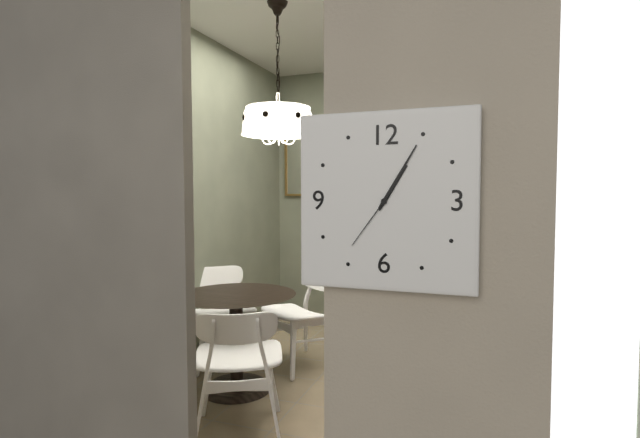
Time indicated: 1:05:36
